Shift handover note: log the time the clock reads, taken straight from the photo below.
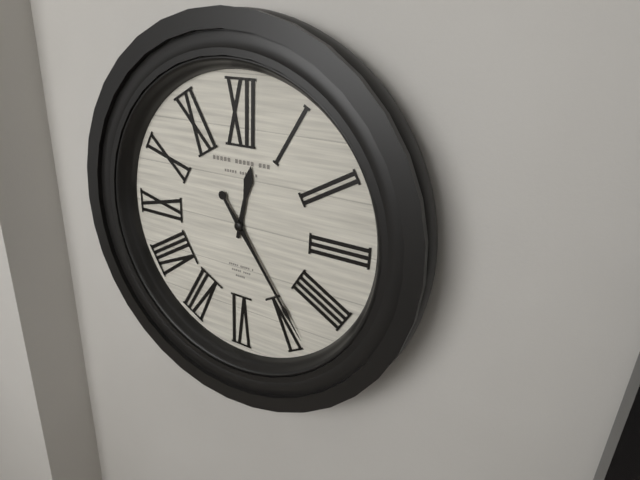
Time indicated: 12:24
